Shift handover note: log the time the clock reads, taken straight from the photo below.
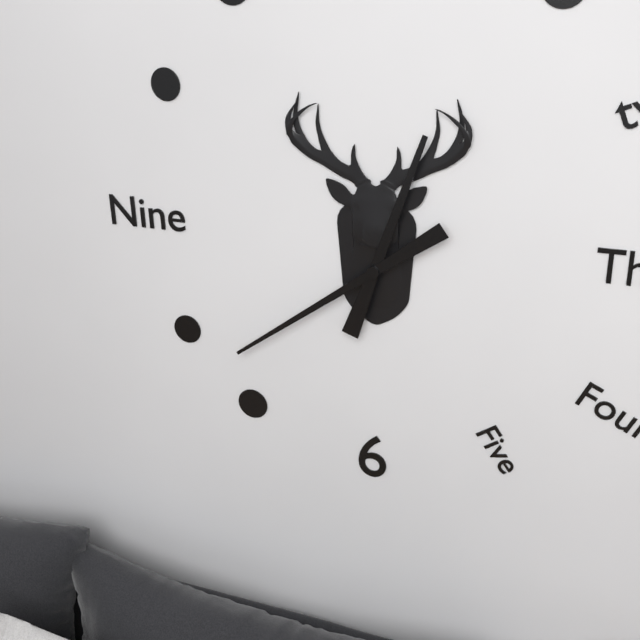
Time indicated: 12:39
